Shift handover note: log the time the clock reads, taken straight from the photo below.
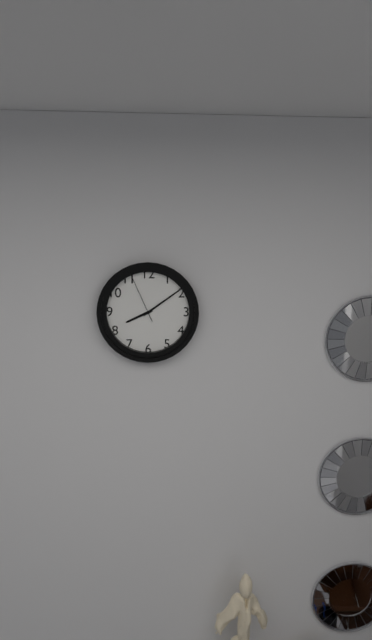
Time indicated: 8:09:56
